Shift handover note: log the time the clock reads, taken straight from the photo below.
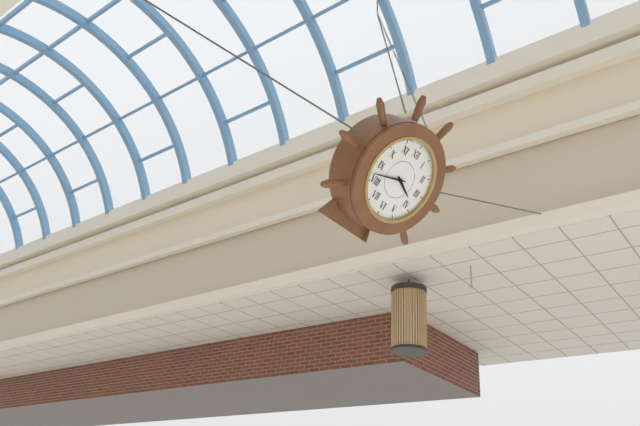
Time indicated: 3:42
